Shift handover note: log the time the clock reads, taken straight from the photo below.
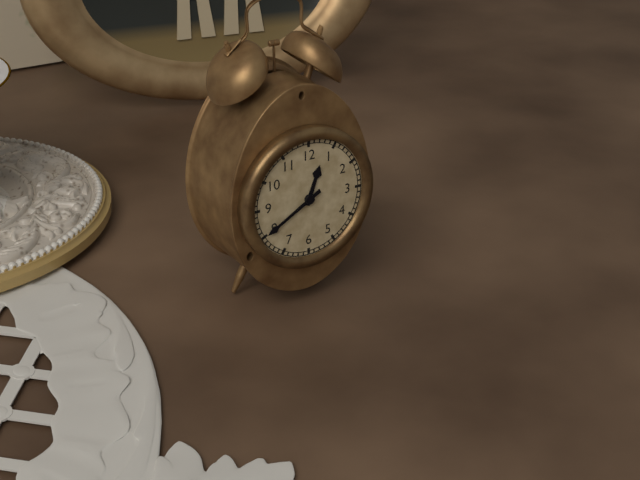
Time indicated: 12:40
